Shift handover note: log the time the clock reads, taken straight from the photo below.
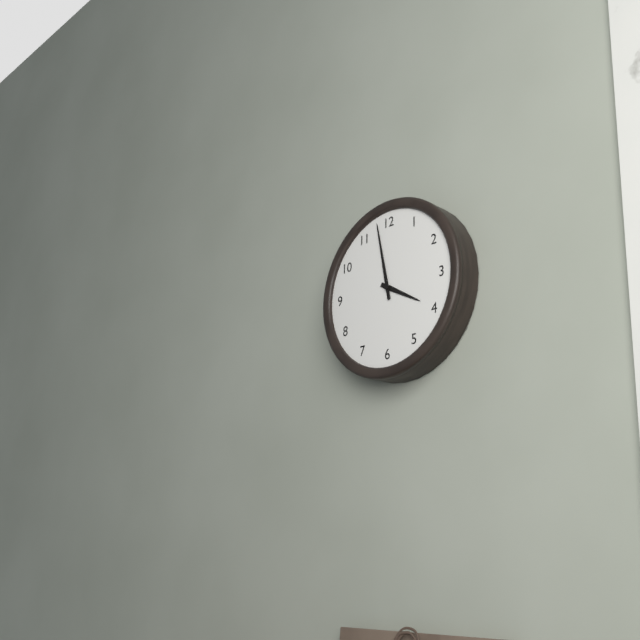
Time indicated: 3:58
